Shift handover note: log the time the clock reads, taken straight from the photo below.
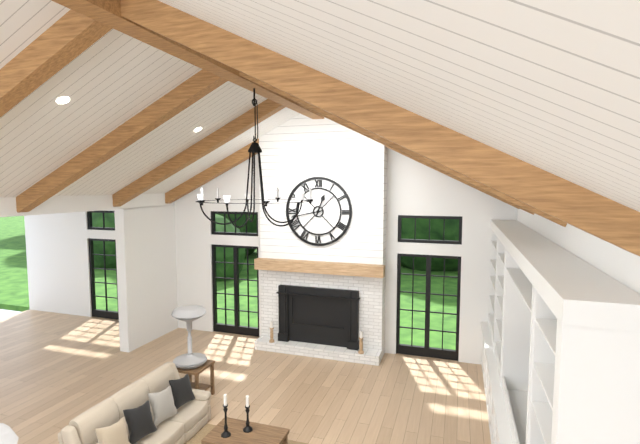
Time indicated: 12:43
